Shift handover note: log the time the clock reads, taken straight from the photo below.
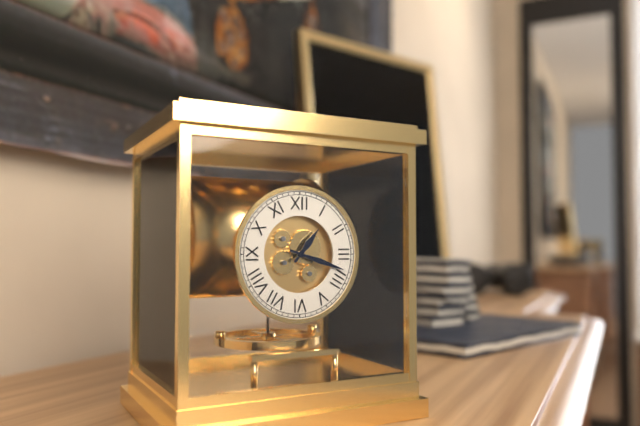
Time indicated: 1:18
